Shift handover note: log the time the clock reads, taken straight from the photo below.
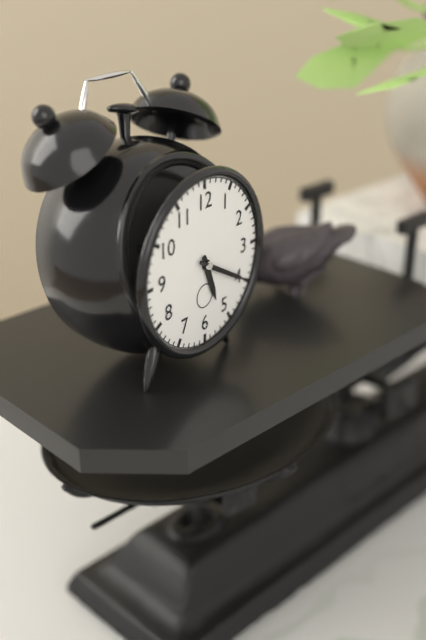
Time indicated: 5:20
